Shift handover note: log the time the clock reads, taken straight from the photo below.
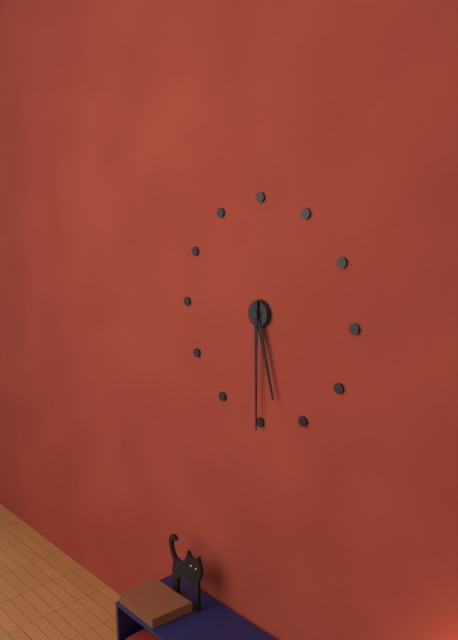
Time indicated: 5:30
